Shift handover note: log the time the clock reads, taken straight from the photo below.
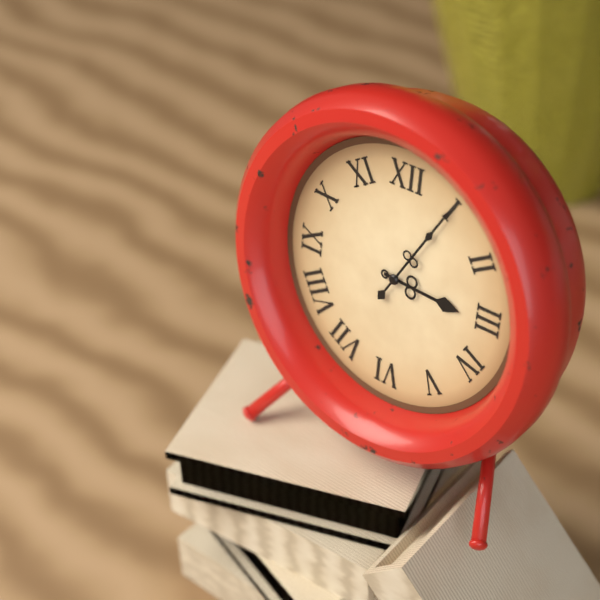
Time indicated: 3:05
